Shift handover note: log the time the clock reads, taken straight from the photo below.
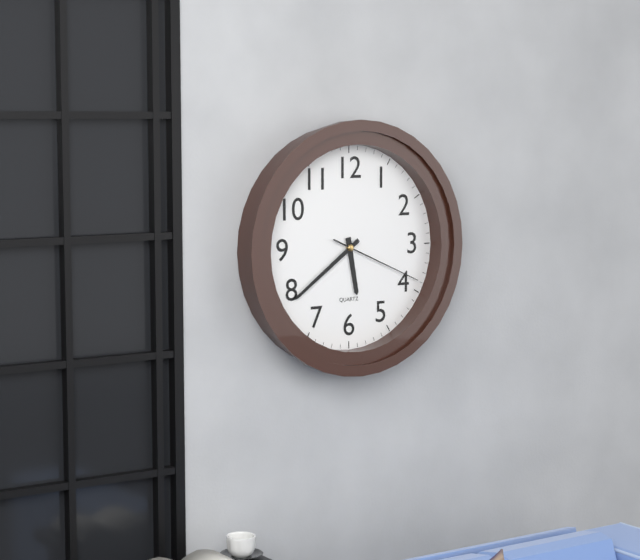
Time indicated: 5:39:19
